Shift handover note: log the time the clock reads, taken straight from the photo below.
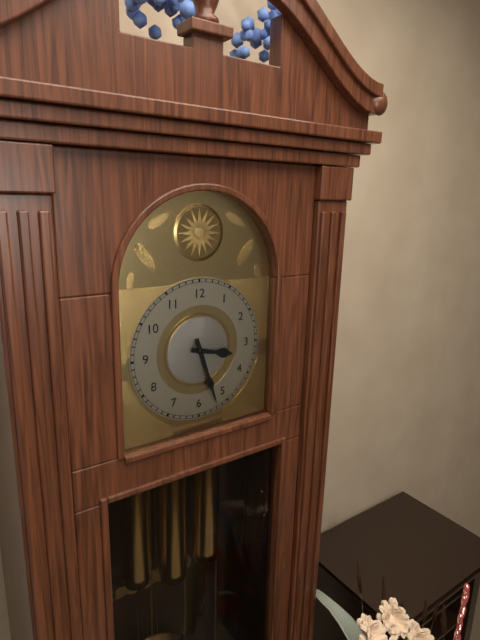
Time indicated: 3:27
